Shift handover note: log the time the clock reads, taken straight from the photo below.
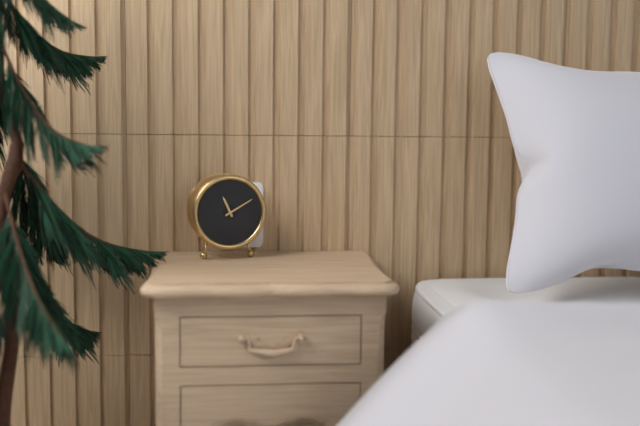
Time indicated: 11:10
